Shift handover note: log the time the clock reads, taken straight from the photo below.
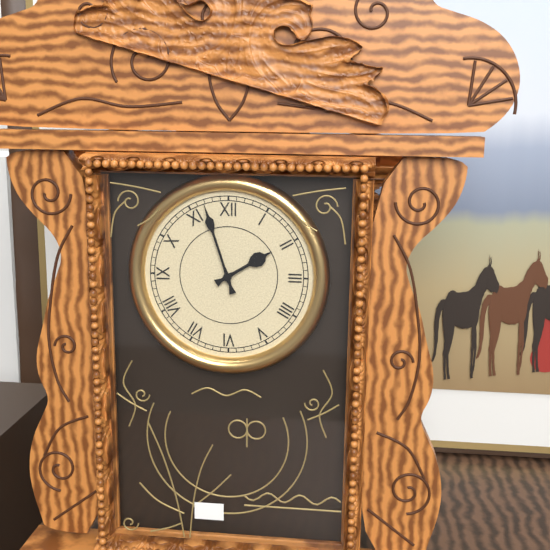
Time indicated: 1:57
